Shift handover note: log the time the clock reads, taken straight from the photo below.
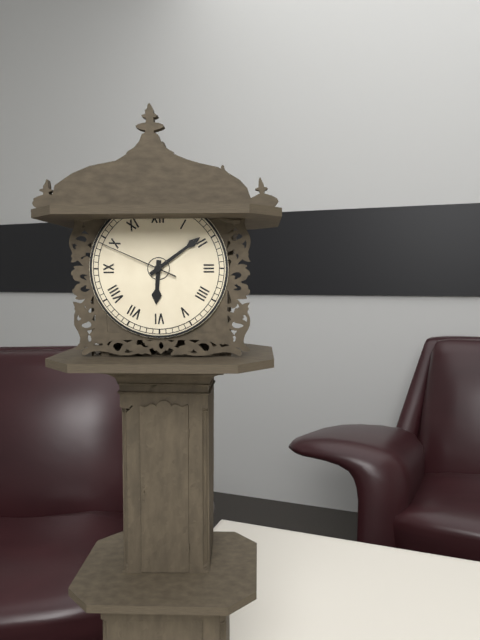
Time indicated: 6:09:49
